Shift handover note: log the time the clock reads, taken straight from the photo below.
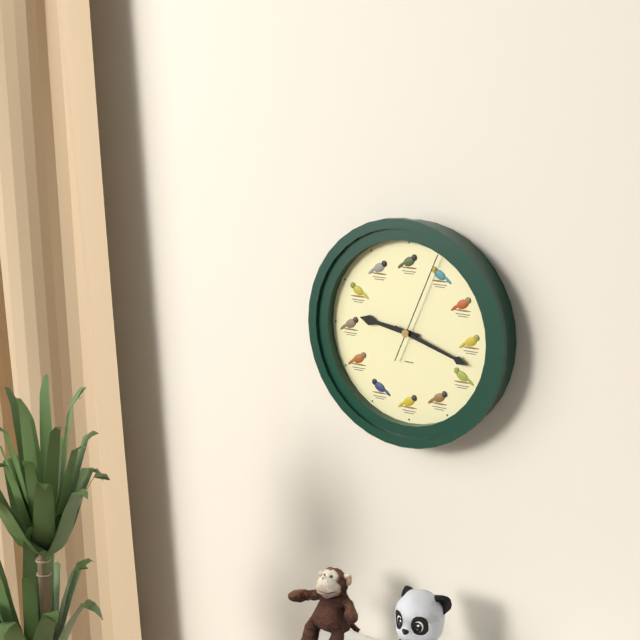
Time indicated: 9:18:04
